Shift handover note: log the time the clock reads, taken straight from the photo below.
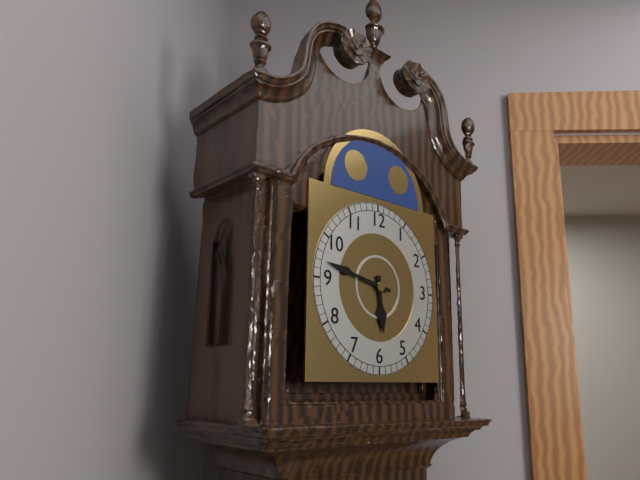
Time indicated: 5:47
